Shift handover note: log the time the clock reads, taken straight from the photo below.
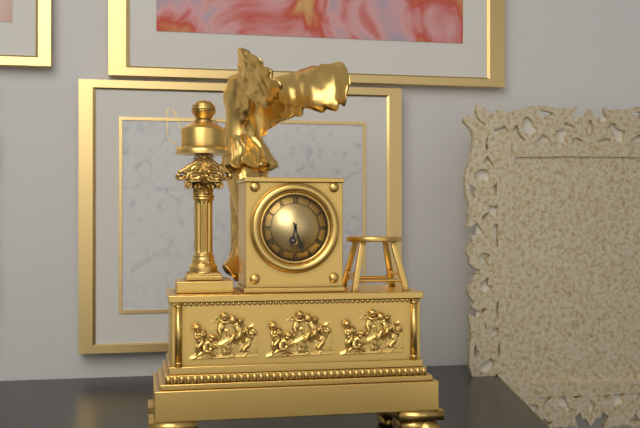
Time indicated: 6:27
